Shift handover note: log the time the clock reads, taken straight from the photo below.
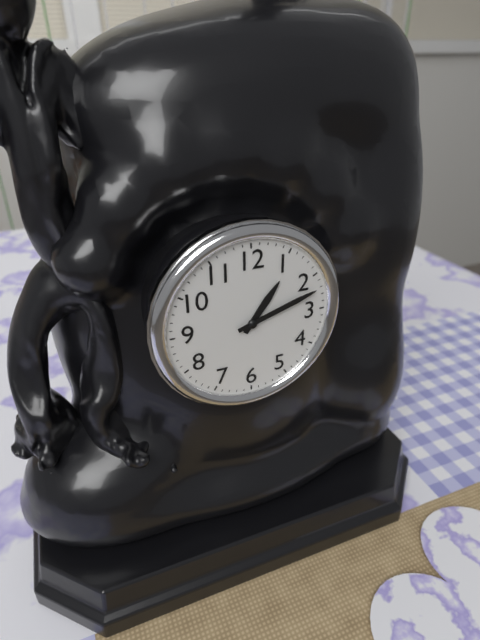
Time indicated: 1:12
